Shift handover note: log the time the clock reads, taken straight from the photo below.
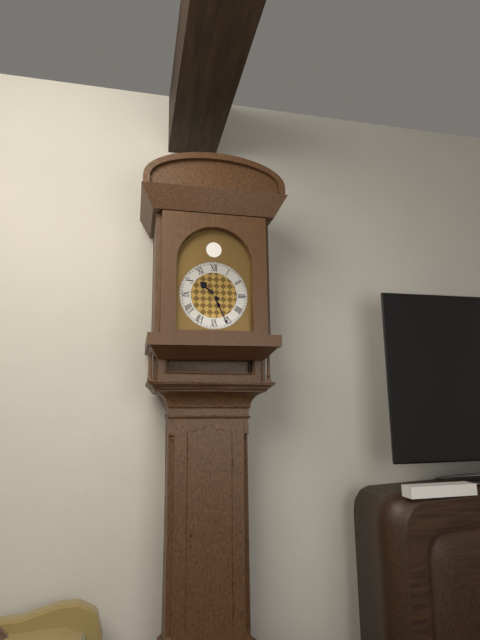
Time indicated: 10:26
